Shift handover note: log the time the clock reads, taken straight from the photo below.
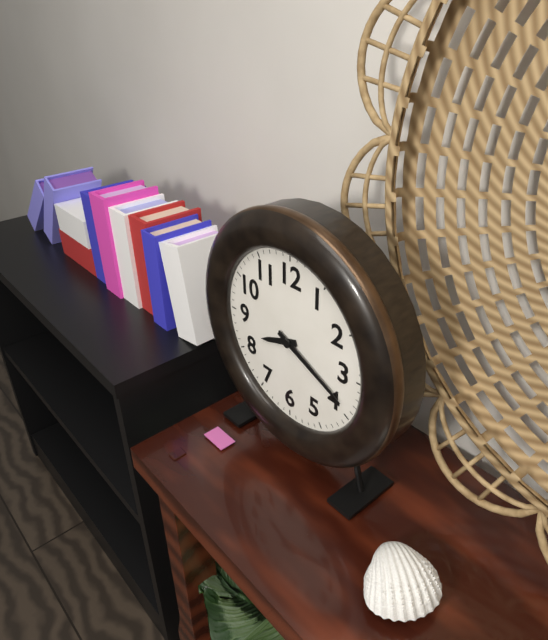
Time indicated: 8:19
